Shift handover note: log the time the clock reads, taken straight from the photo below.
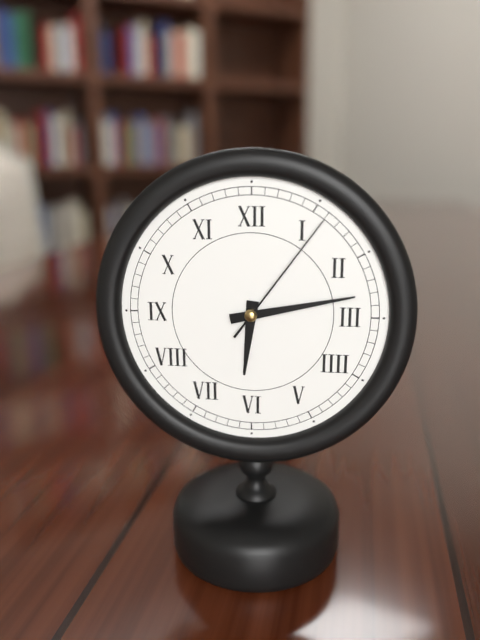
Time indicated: 6:13:06
